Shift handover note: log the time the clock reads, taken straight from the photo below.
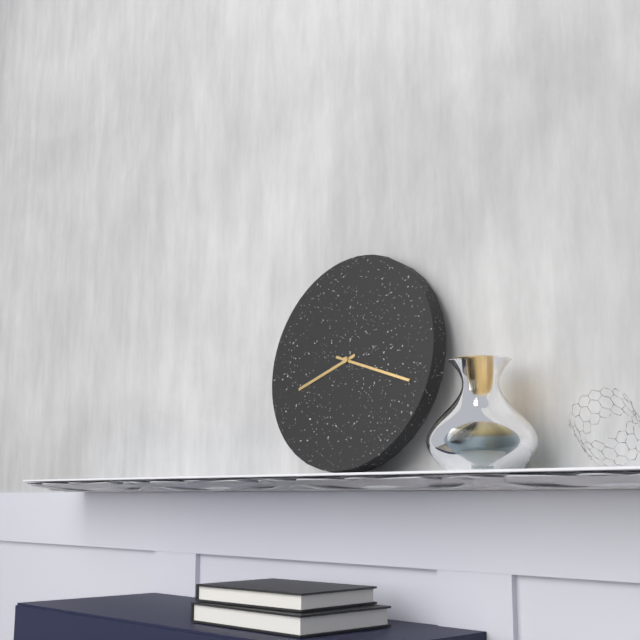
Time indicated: 8:18
